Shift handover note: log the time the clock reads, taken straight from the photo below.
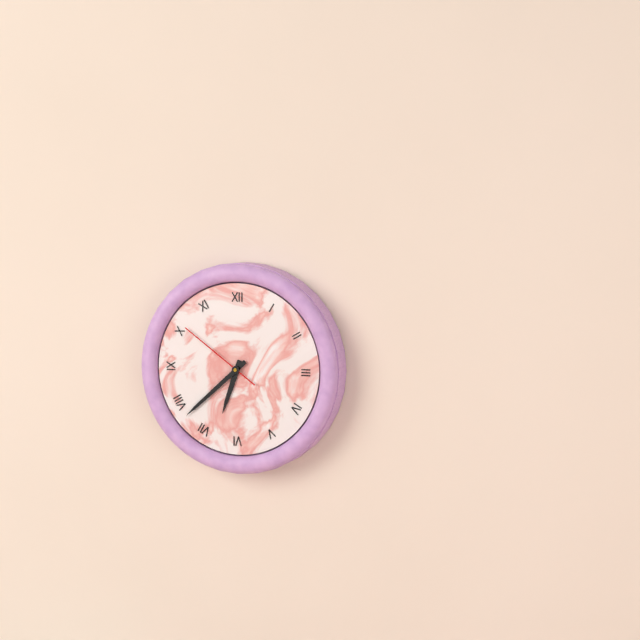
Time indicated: 6:38:51
